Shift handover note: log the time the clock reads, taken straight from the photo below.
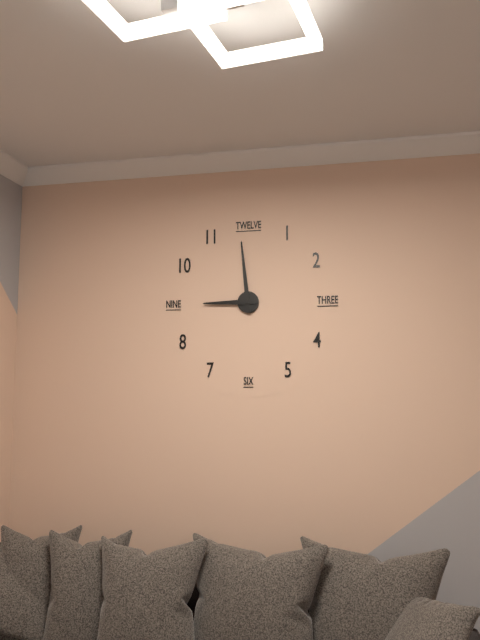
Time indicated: 8:59
